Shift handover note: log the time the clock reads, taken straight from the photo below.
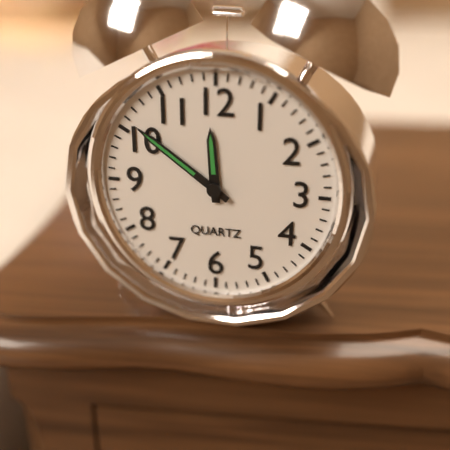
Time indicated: 11:51
